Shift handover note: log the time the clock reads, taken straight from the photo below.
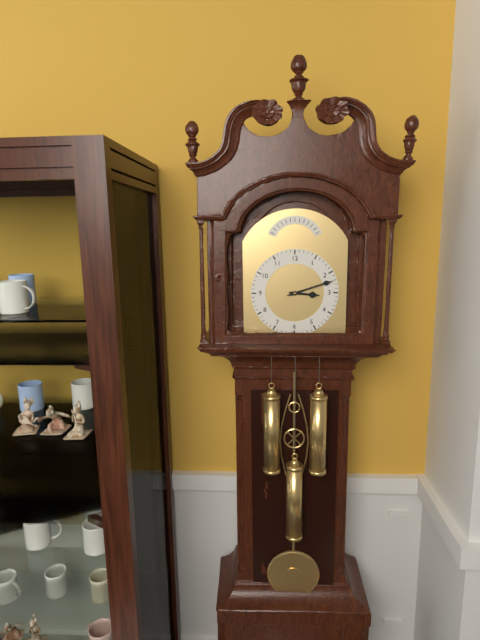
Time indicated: 3:12
